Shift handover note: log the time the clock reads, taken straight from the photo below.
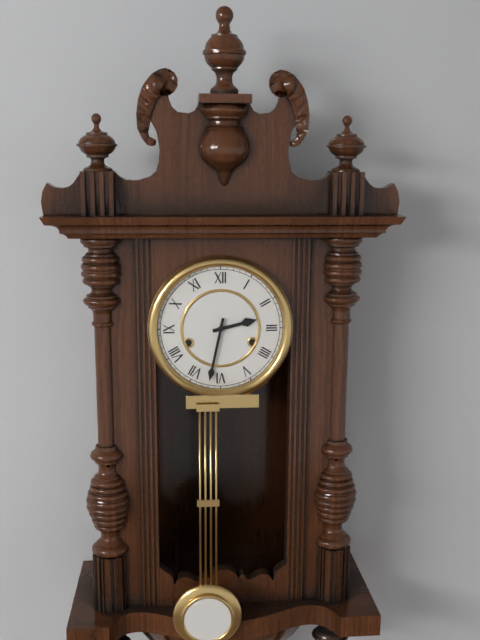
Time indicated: 2:32
